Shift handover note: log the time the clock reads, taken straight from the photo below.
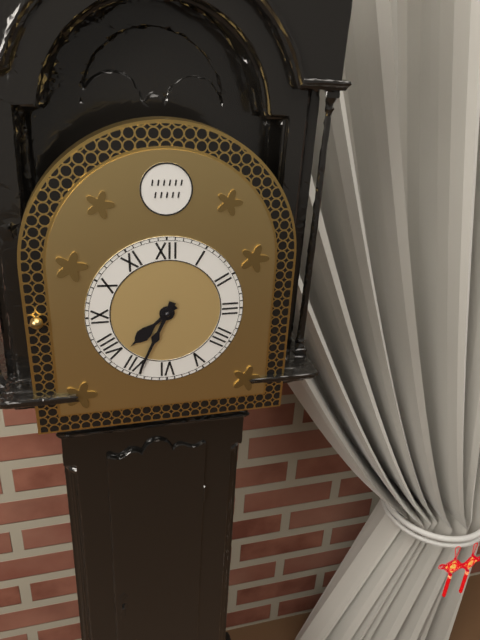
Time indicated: 7:34
